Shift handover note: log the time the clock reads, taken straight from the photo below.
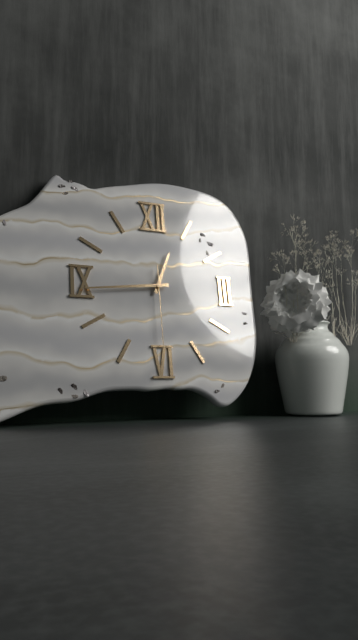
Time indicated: 12:44:30
